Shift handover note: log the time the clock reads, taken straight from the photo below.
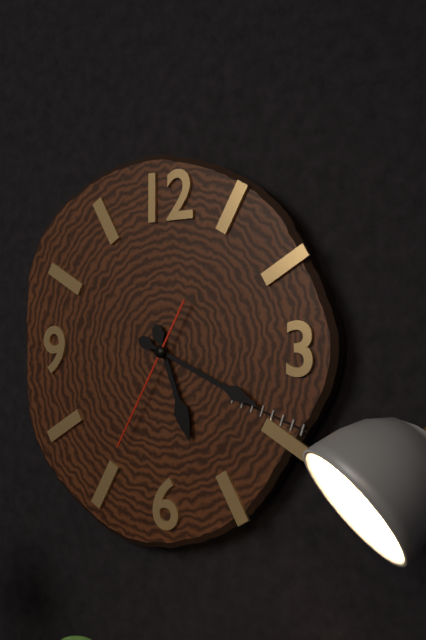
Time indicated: 5:19:35
